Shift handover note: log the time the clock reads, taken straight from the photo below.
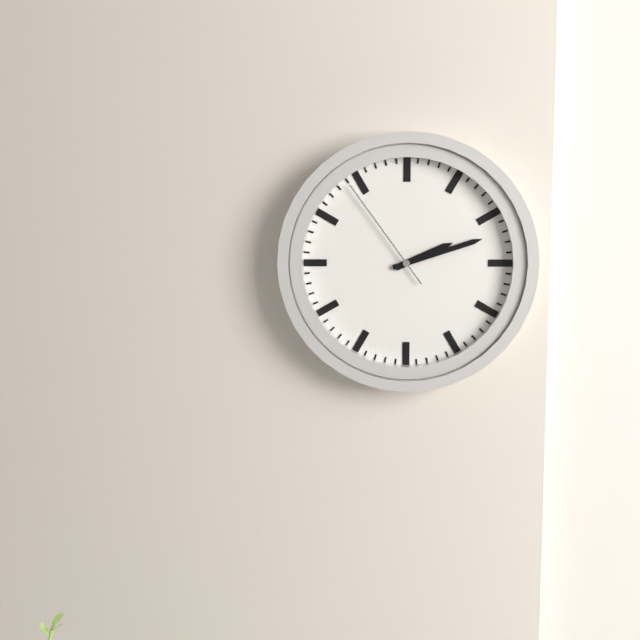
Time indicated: 2:12:54
